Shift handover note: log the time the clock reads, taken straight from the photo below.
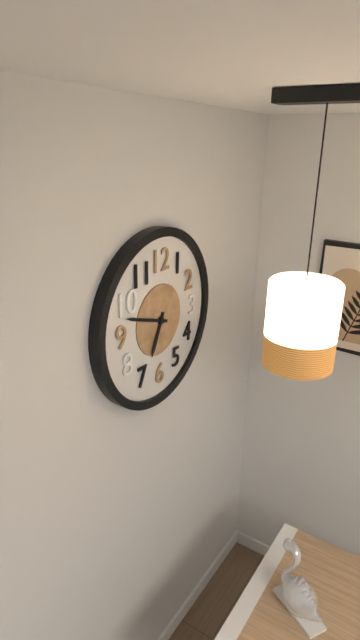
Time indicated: 6:48
